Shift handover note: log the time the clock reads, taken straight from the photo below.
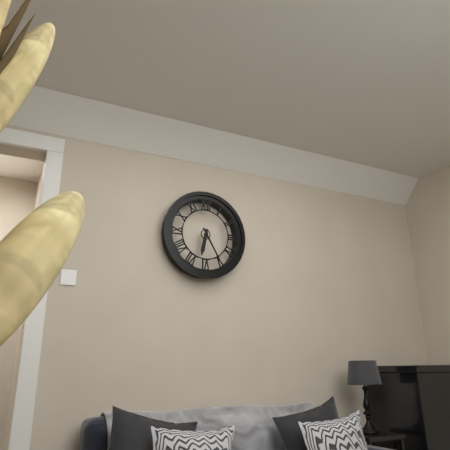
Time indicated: 6:25
